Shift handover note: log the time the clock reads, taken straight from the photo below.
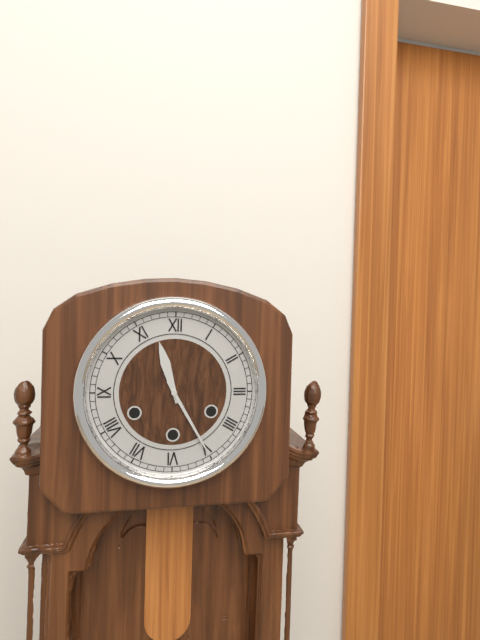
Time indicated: 11:25
